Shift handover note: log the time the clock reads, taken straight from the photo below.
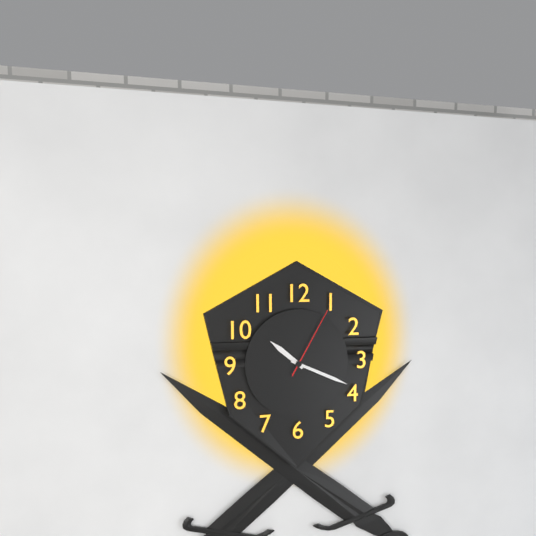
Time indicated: 10:19:05
